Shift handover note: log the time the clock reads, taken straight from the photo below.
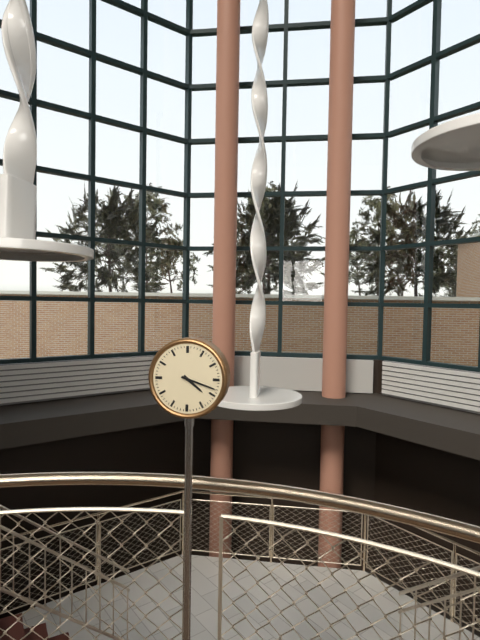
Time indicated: 4:18
